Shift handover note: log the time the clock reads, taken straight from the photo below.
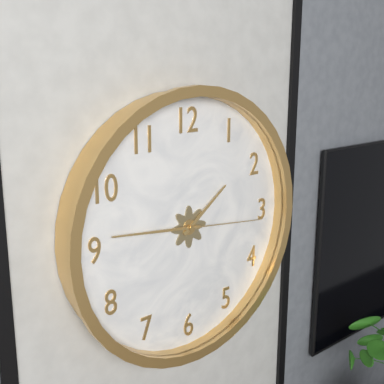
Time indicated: 1:46:16
